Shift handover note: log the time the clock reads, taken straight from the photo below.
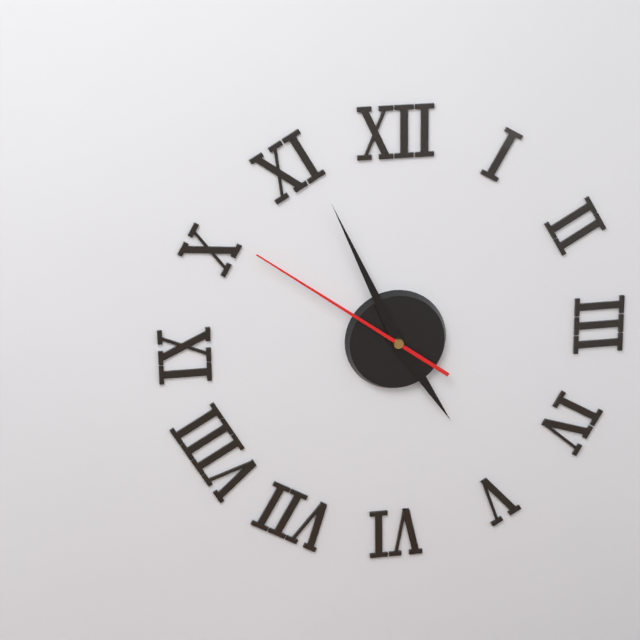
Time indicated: 4:56:51
